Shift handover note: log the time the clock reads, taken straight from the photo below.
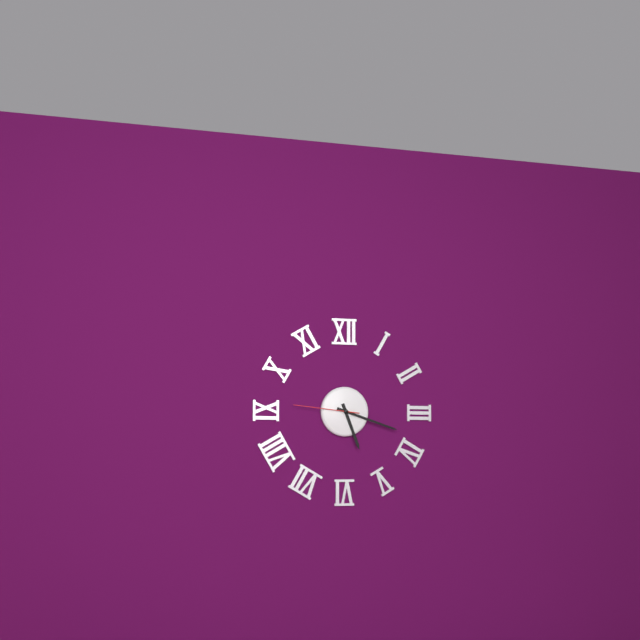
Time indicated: 5:18:46
